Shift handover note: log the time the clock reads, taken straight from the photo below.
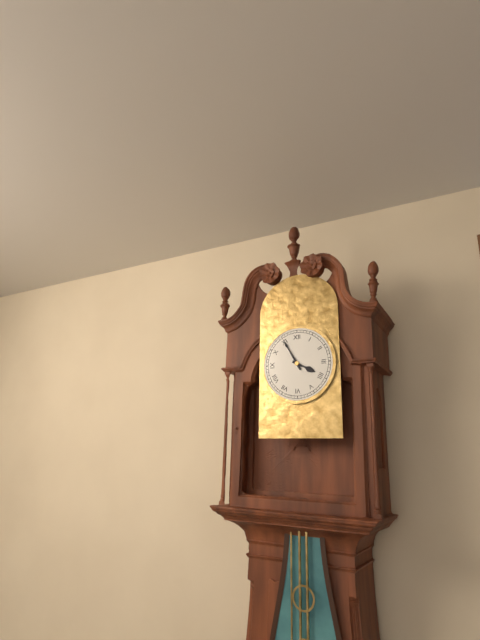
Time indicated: 3:55
